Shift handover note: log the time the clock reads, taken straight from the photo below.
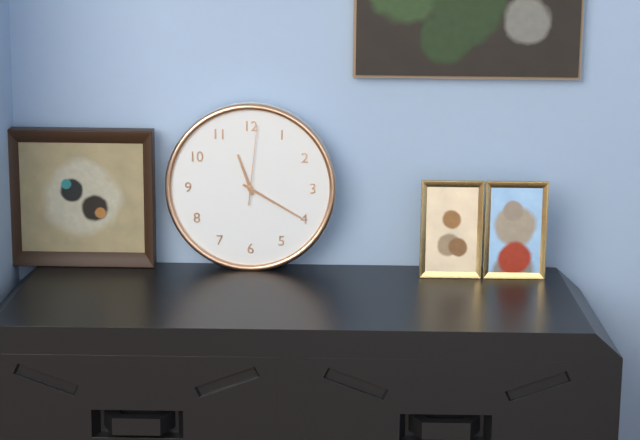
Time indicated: 11:20:01
